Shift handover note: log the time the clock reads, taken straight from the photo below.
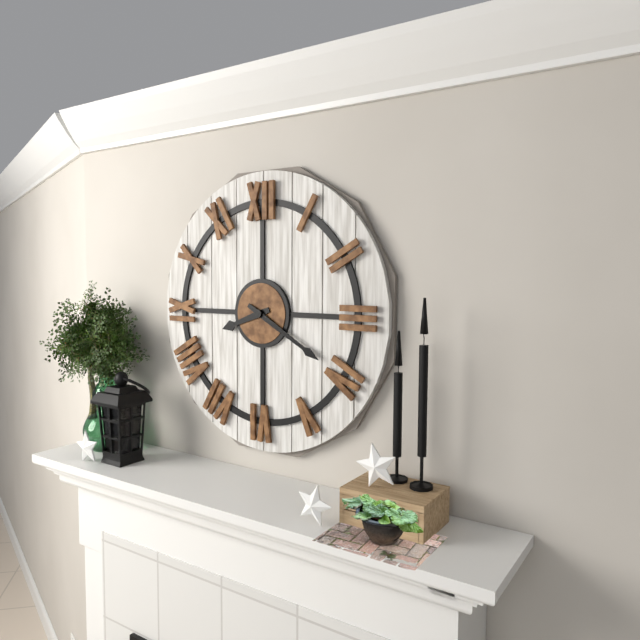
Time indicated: 8:20
